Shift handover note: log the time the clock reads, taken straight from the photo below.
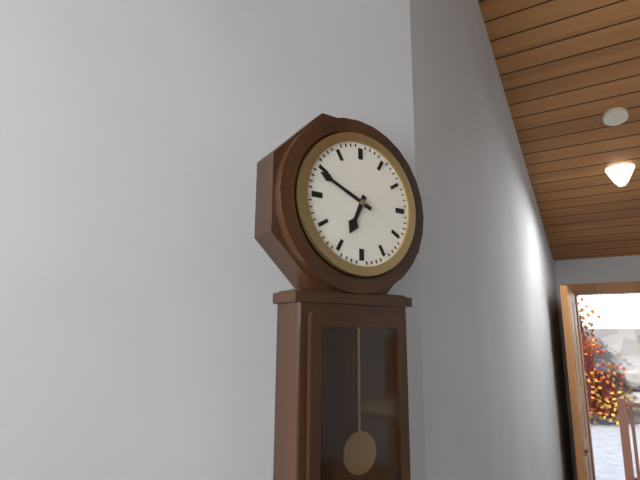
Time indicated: 6:49
